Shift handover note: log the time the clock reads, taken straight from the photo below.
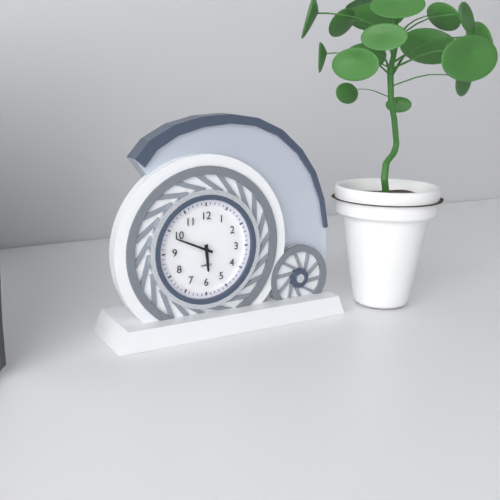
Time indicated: 5:49
